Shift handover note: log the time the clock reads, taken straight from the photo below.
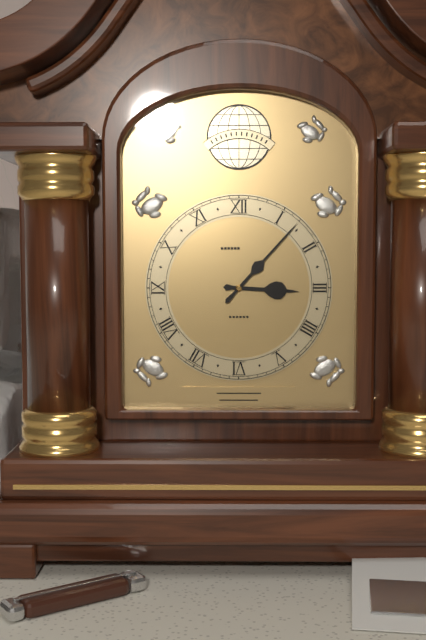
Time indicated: 3:07
